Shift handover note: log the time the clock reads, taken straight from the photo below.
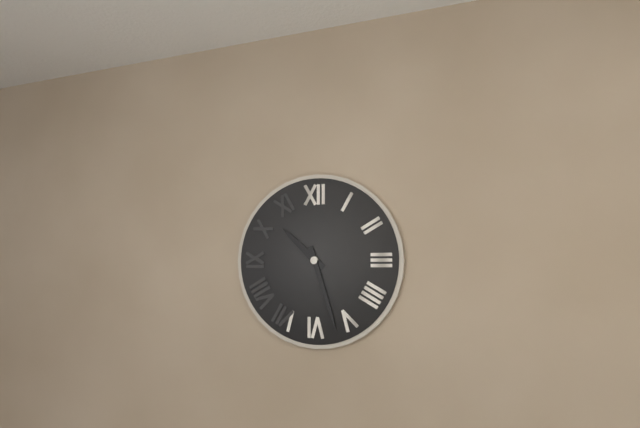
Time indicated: 10:27
